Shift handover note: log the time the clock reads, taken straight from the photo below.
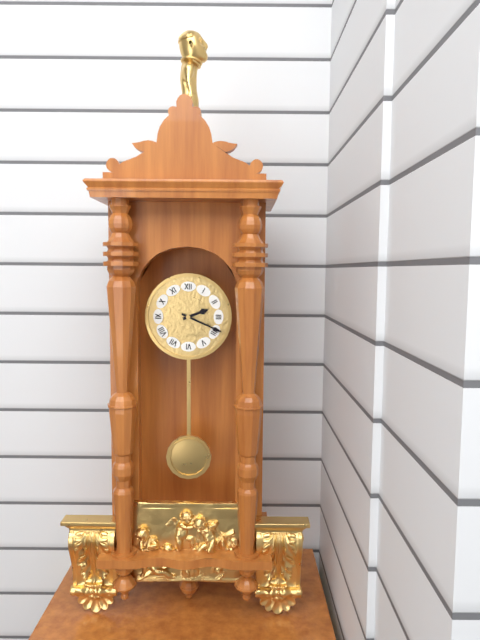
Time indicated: 2:19
